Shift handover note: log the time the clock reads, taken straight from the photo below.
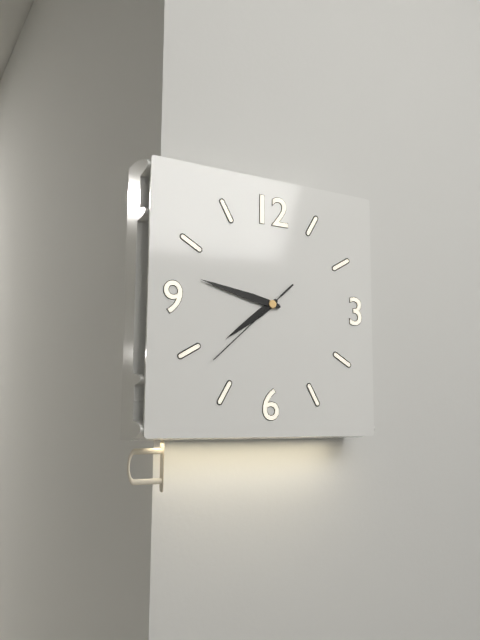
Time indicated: 7:47:38
